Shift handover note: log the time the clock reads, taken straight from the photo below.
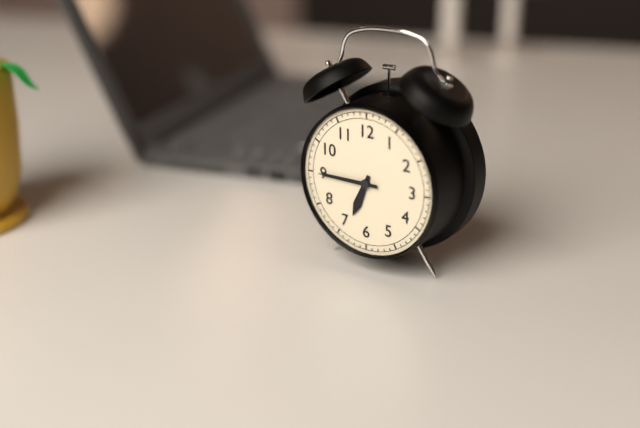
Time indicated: 6:45
